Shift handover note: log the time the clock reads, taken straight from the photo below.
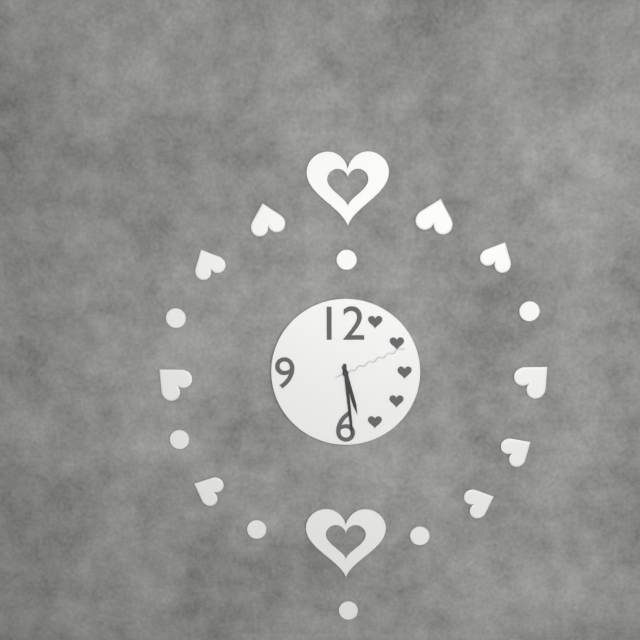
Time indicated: 5:29:11
